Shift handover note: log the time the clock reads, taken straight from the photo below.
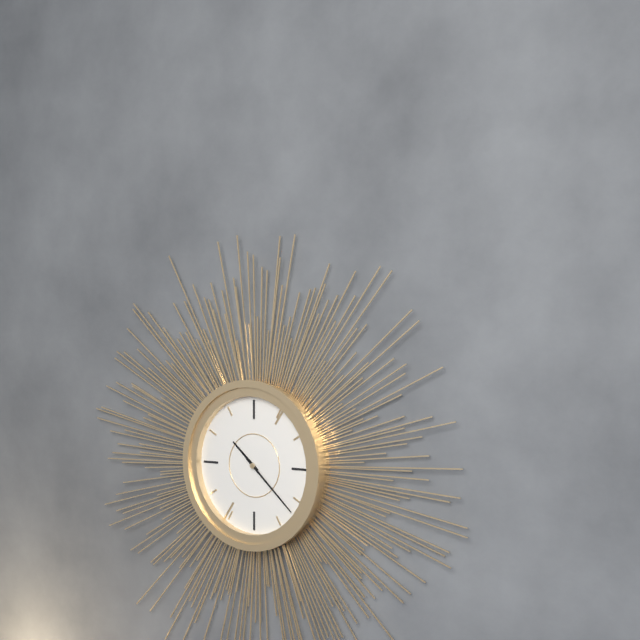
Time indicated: 10:22
